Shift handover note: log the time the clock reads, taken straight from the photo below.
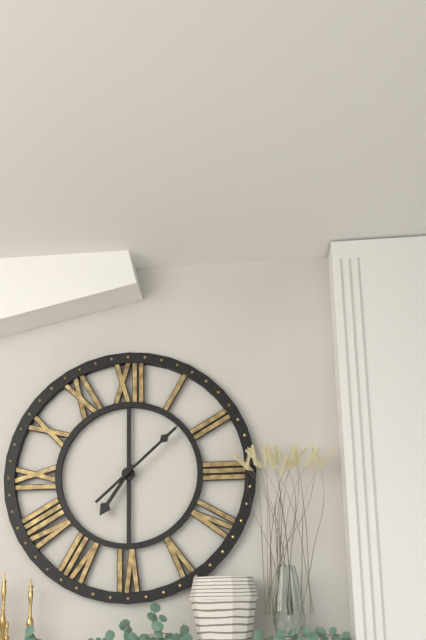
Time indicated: 7:08
